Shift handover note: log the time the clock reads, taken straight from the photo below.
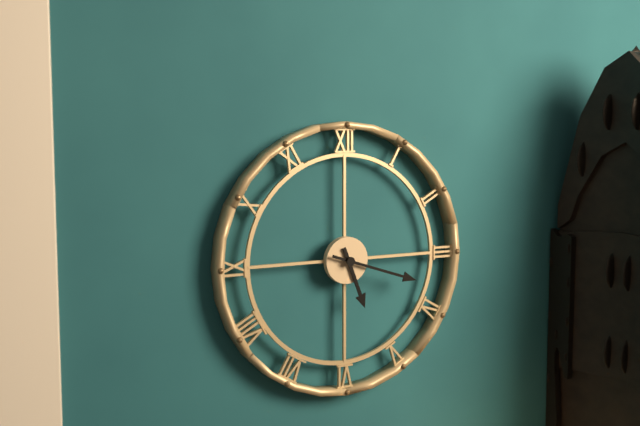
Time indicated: 5:18
